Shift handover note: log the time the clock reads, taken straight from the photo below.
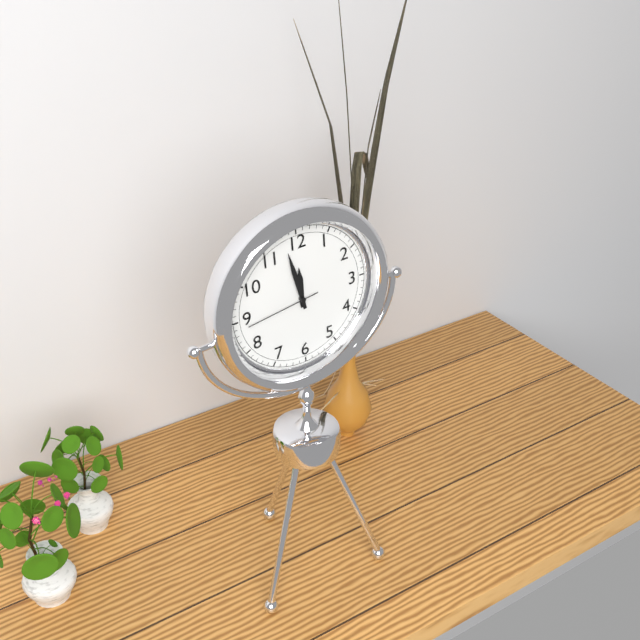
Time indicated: 11:58:44
